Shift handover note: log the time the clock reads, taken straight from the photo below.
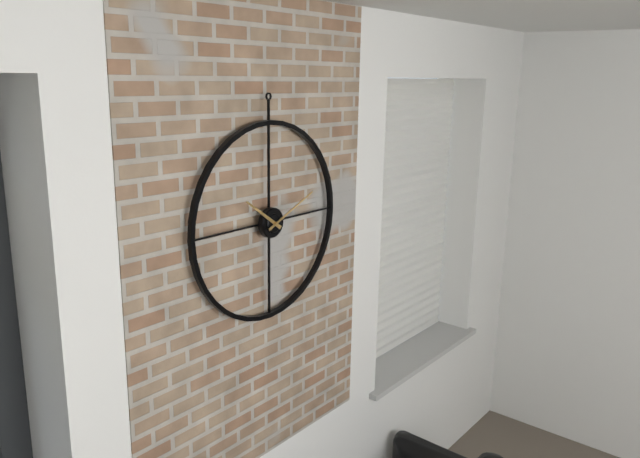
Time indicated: 10:11
